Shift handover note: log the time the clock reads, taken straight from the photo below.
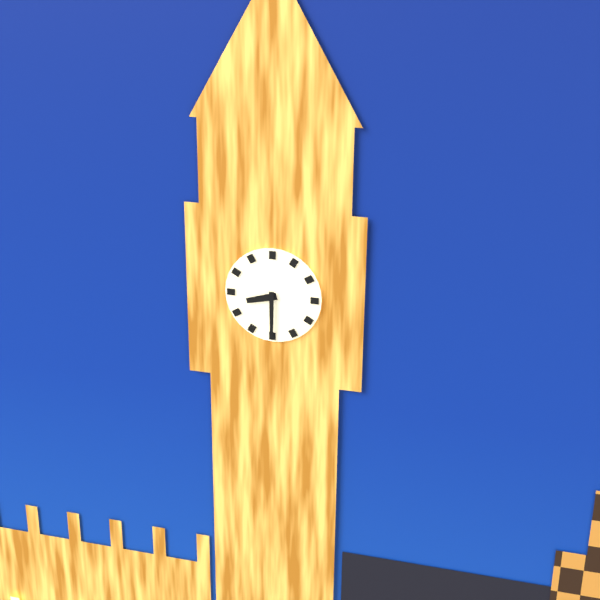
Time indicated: 8:30
